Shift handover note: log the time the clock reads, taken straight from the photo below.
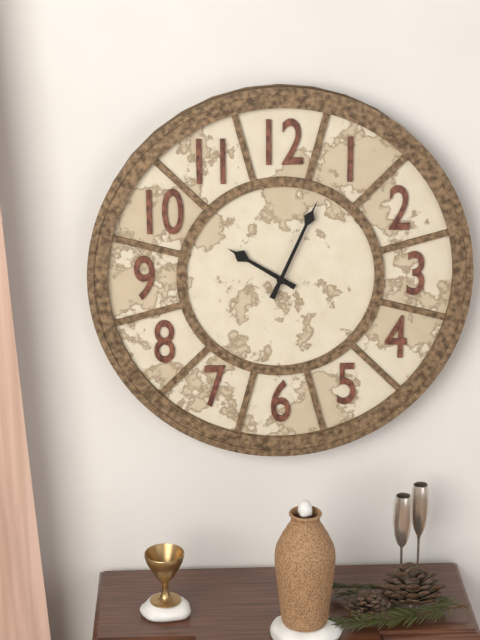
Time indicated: 10:04
